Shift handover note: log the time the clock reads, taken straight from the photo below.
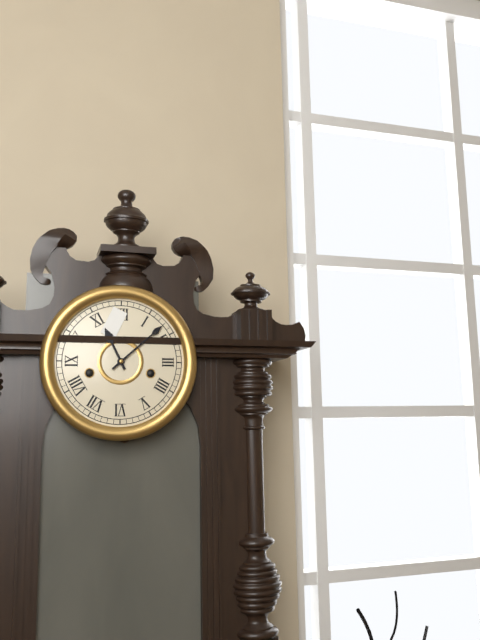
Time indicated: 11:08
